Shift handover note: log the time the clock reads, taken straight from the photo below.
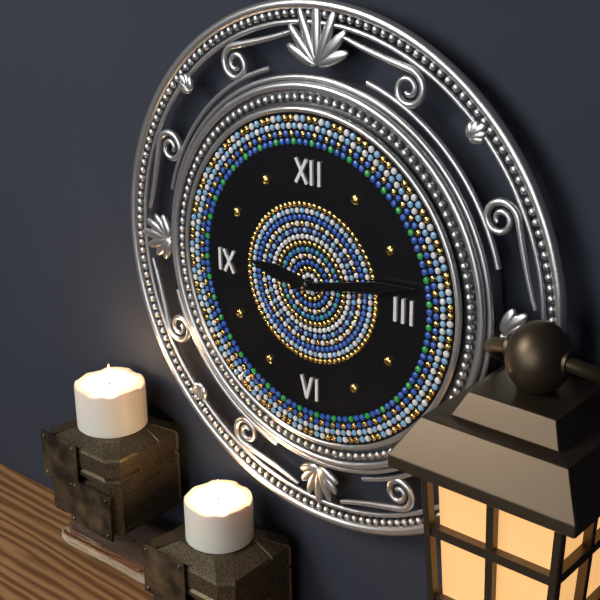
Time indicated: 9:13
